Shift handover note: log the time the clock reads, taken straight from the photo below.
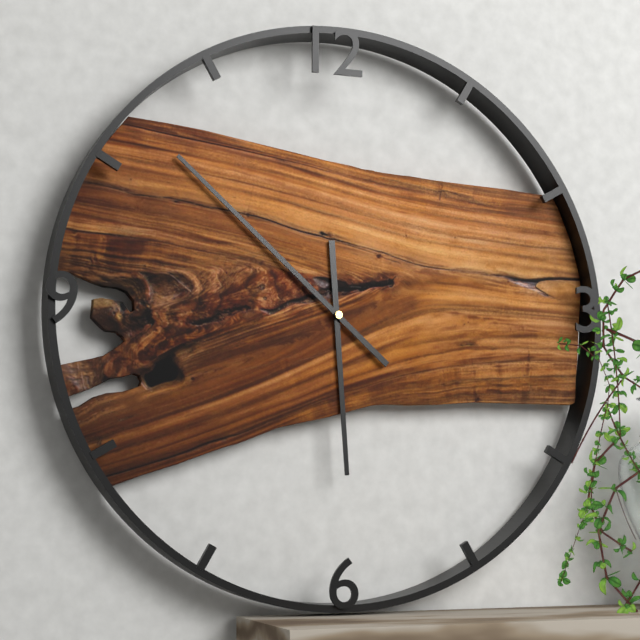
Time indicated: 5:52
